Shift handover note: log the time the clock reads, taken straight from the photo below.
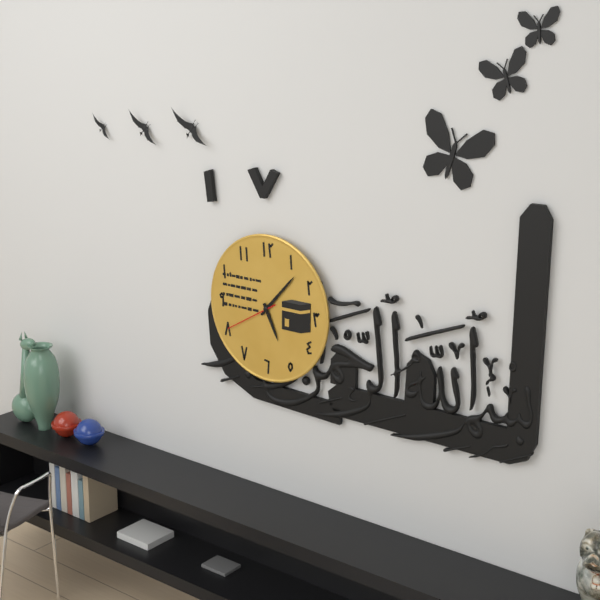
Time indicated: 5:07:40
